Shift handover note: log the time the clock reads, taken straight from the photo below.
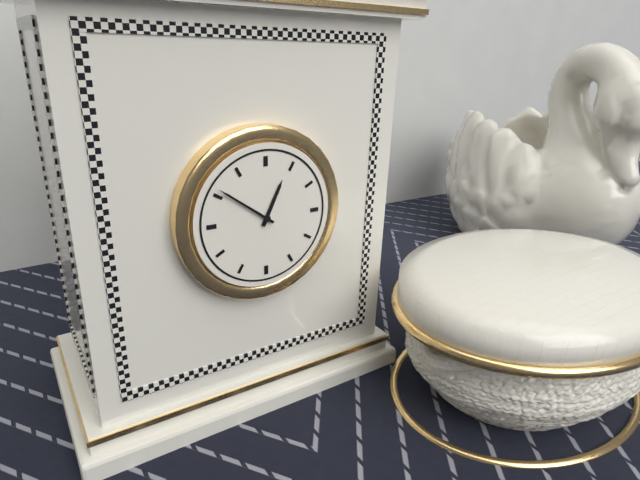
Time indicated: 12:51
